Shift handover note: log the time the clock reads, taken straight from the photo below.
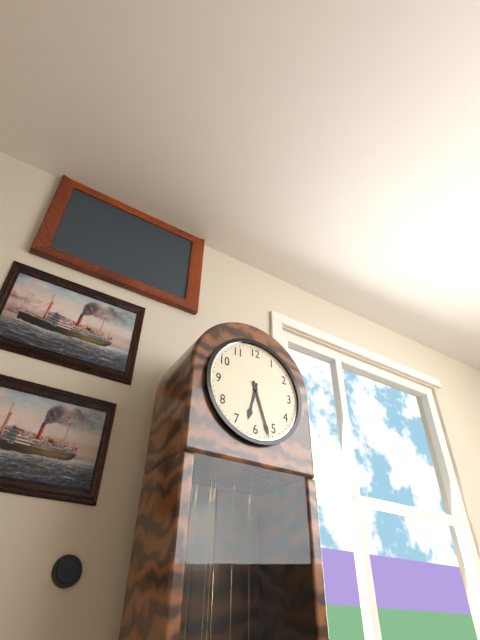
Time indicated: 6:27
